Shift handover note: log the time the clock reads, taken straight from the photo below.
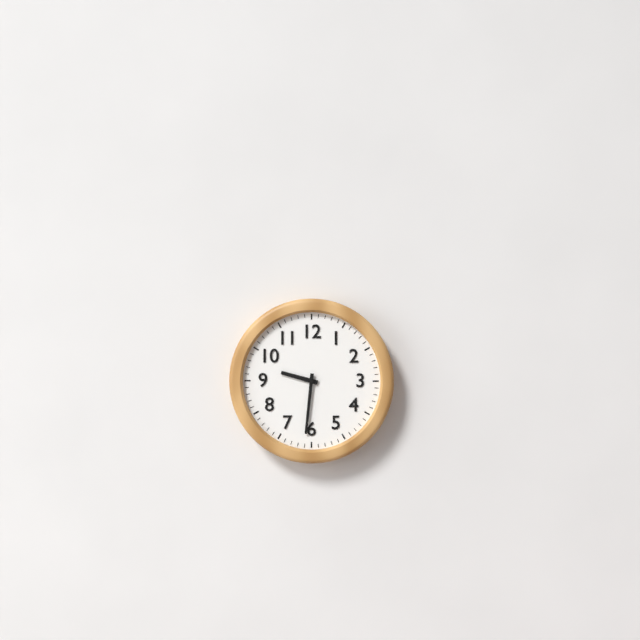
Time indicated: 9:31
